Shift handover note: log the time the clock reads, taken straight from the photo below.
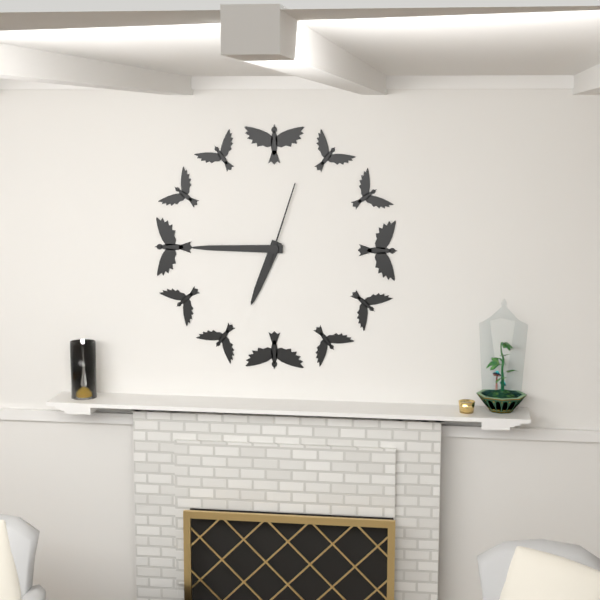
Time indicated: 6:45:03
